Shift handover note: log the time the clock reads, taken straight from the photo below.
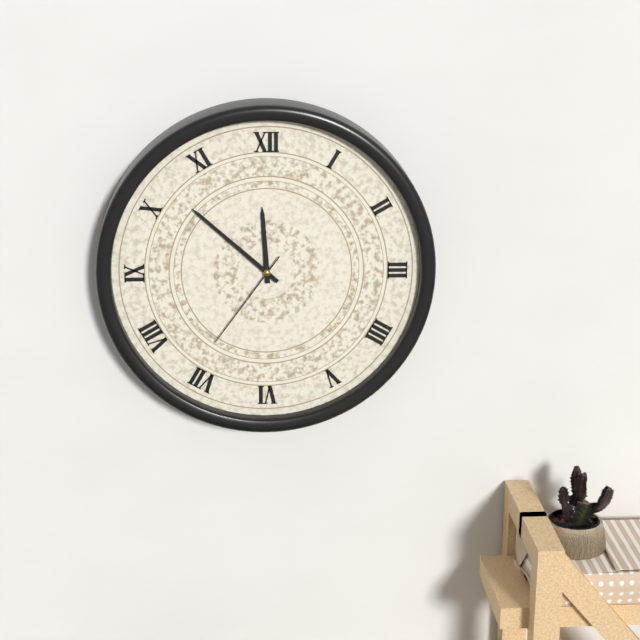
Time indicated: 11:52:36
